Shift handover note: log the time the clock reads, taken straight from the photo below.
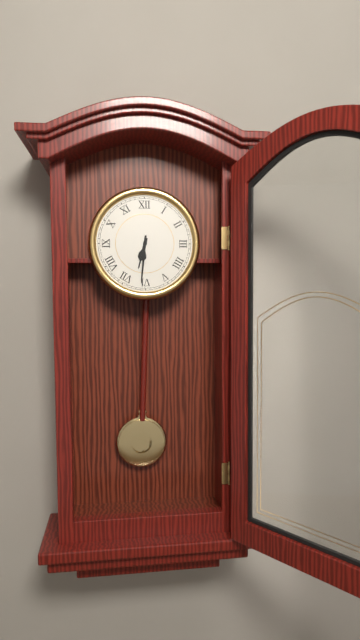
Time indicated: 6:31
